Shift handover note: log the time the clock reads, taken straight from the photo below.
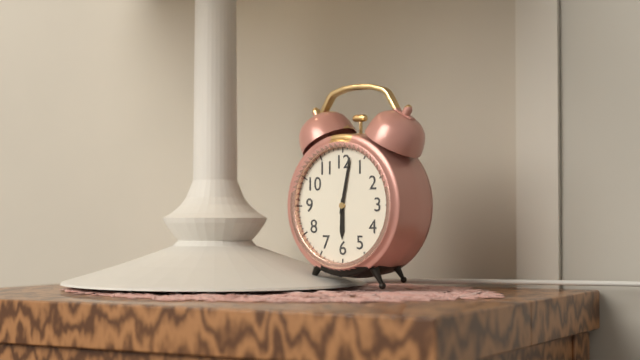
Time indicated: 6:02
